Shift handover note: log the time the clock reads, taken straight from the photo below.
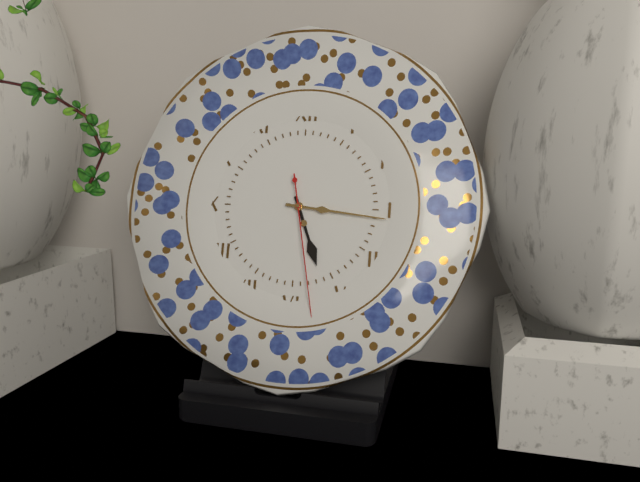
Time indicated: 5:16:28
